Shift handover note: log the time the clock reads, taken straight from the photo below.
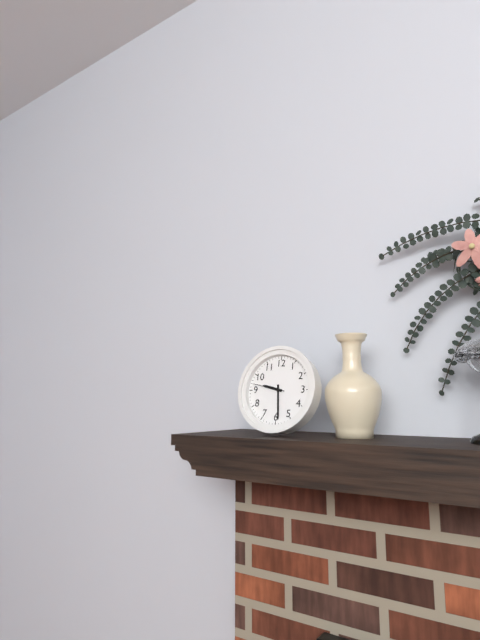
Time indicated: 9:29
